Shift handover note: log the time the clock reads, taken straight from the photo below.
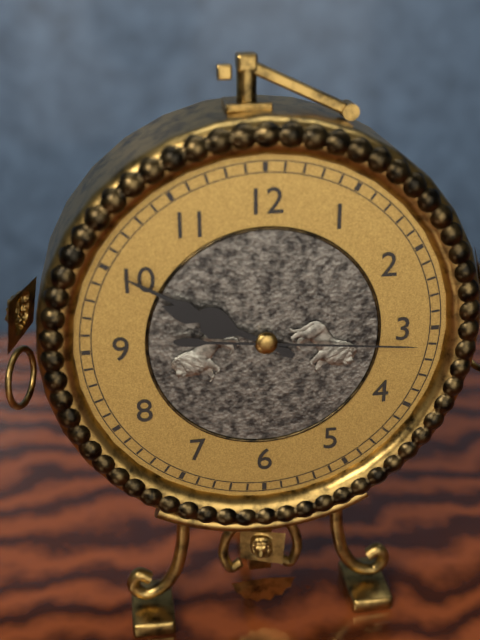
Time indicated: 9:50:16
